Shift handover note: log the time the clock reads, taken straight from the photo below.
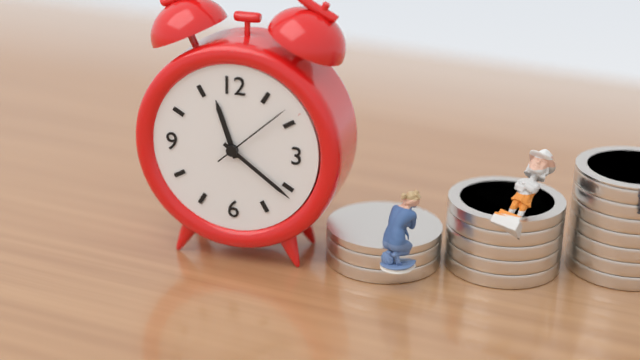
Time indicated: 11:21:08
